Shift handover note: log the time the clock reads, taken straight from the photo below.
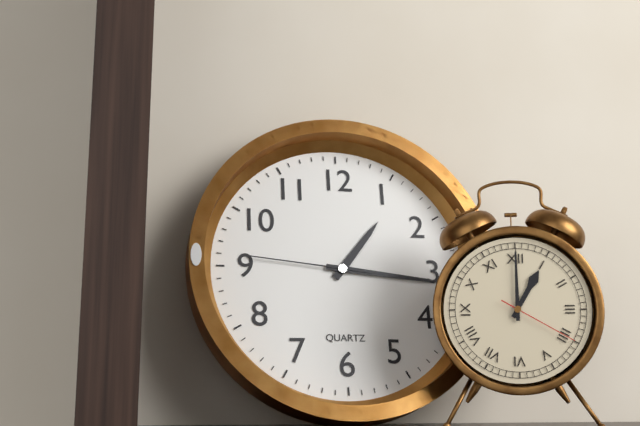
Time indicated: 1:16:46
